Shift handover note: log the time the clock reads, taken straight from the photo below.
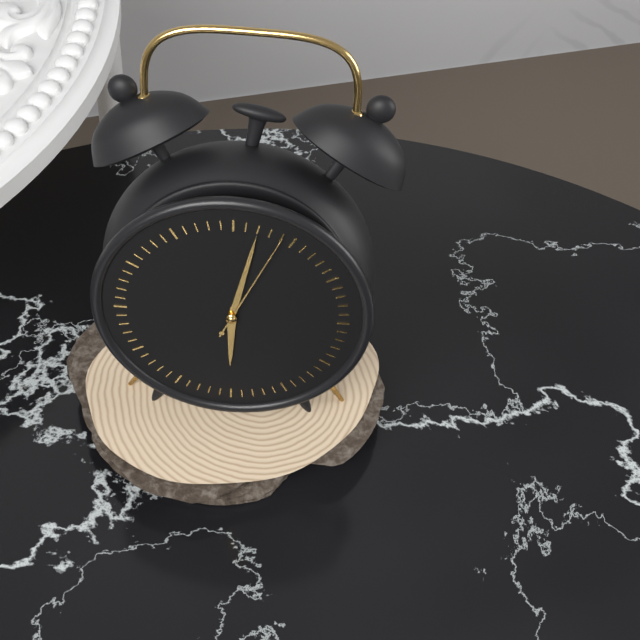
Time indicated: 6:02:04
